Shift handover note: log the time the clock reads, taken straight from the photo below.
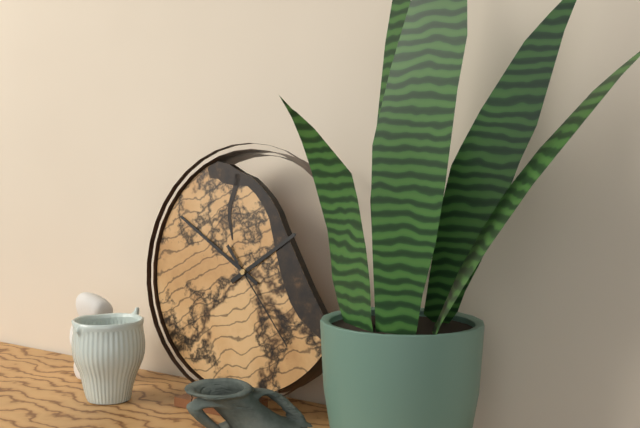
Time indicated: 1:50:23
